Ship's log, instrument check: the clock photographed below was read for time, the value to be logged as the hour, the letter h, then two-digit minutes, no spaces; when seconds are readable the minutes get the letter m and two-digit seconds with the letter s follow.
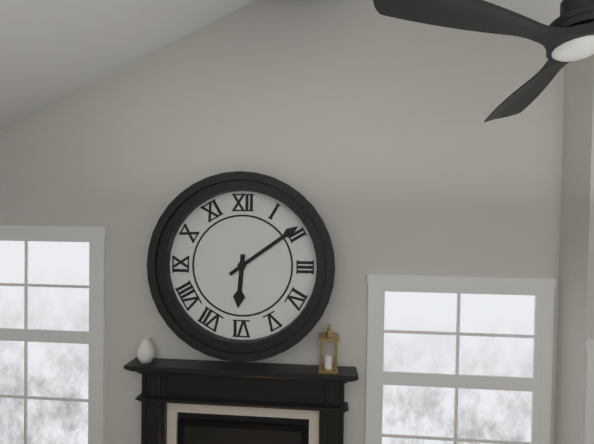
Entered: 6h09
